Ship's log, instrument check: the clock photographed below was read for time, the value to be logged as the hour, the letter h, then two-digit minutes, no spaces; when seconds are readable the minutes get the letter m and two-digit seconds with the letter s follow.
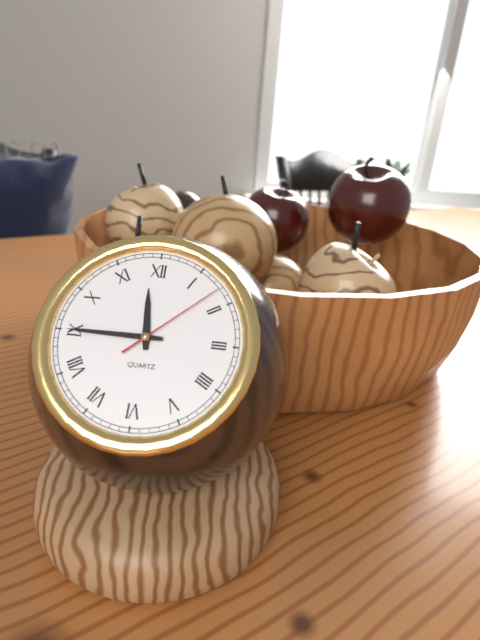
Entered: 11h45m08s
